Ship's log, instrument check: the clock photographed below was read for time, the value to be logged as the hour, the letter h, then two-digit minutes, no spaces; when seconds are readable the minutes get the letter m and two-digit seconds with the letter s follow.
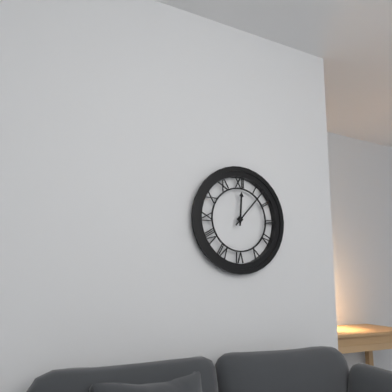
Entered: 12h07
